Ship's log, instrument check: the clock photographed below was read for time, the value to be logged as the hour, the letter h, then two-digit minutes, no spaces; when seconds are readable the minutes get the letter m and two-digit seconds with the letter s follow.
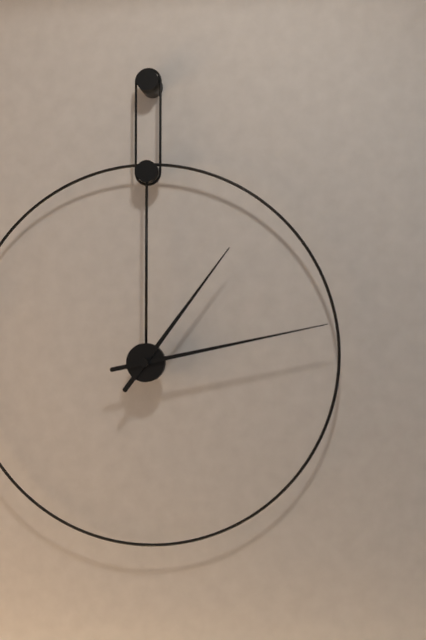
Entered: 1h13
